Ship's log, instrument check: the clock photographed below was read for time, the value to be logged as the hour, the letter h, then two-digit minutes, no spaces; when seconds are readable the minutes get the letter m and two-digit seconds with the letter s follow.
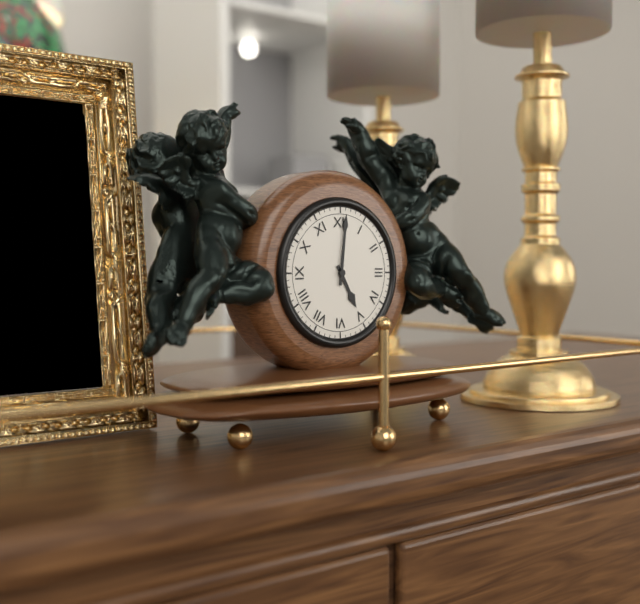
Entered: 5h01
